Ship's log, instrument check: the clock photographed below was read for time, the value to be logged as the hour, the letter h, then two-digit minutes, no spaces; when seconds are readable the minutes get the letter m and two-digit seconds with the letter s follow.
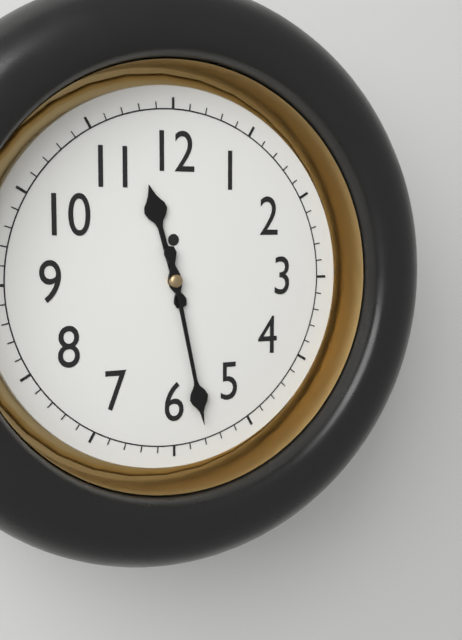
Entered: 11h28
